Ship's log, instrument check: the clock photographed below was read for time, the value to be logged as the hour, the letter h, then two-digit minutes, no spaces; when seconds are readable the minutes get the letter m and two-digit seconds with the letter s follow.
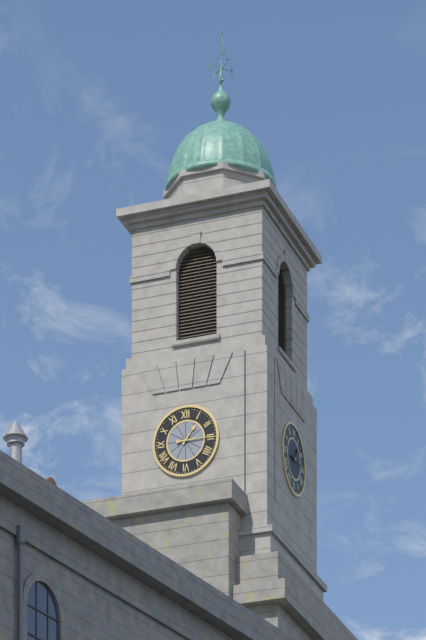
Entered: 1h15
